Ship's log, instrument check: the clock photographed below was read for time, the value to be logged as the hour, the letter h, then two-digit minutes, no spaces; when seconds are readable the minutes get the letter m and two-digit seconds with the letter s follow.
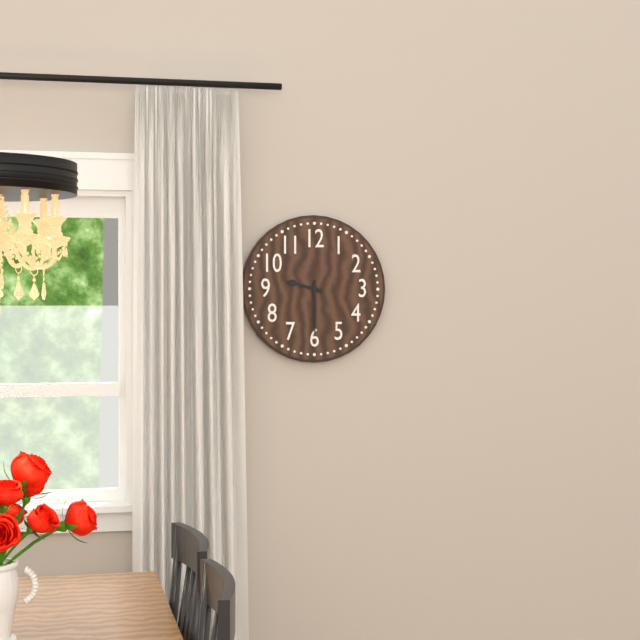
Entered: 9h30
